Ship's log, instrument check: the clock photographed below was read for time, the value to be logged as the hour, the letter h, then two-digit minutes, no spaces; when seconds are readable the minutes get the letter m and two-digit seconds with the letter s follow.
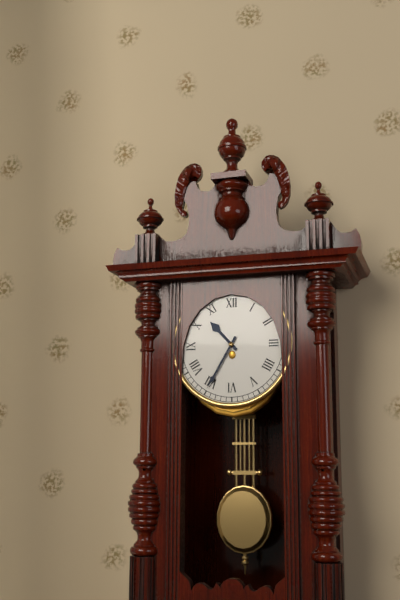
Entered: 10h35
